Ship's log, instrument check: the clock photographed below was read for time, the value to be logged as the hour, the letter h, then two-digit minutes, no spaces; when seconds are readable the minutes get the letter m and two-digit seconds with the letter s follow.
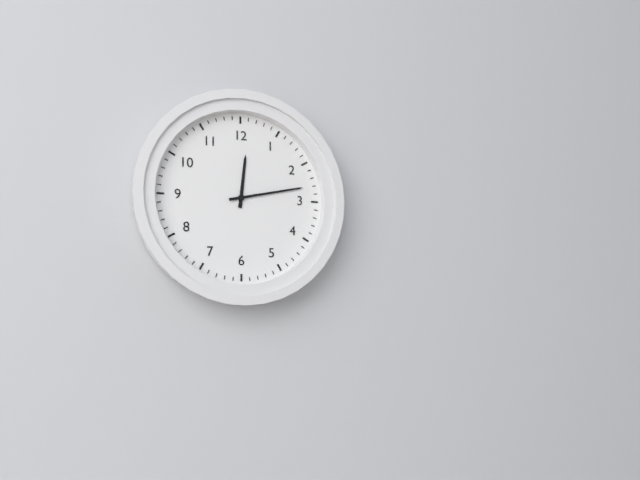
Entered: 12h13
